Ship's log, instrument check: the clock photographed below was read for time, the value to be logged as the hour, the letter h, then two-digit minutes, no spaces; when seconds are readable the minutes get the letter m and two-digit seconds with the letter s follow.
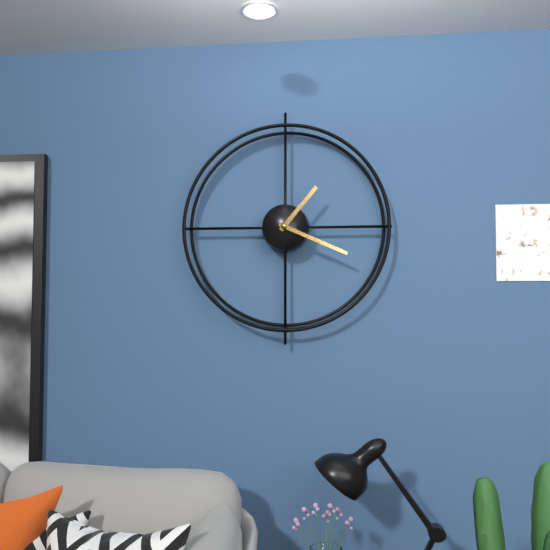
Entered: 1h19
